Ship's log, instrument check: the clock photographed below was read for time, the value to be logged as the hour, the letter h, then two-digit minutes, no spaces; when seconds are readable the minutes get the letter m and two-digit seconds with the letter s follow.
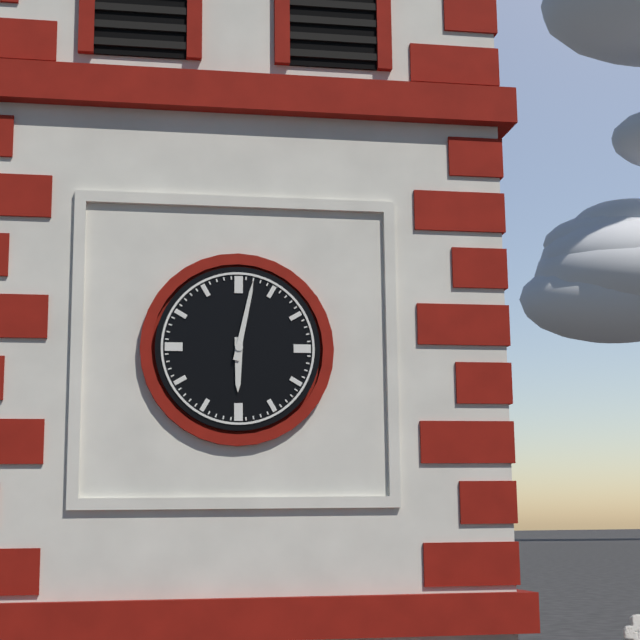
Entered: 6h02
